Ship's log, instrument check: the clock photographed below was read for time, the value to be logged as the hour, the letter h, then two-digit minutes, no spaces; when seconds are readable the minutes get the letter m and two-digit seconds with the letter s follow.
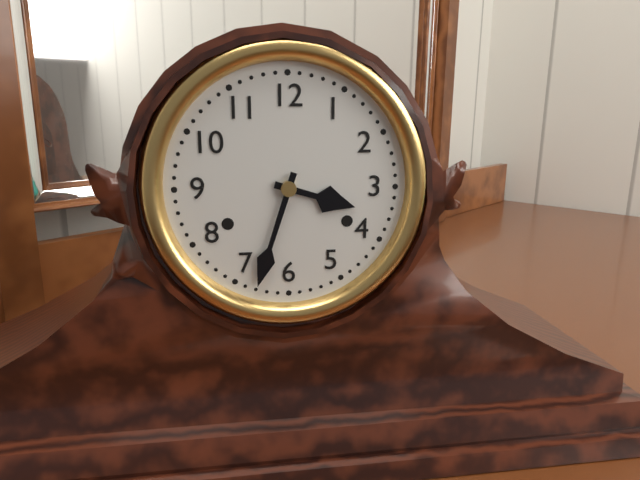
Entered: 3h33
